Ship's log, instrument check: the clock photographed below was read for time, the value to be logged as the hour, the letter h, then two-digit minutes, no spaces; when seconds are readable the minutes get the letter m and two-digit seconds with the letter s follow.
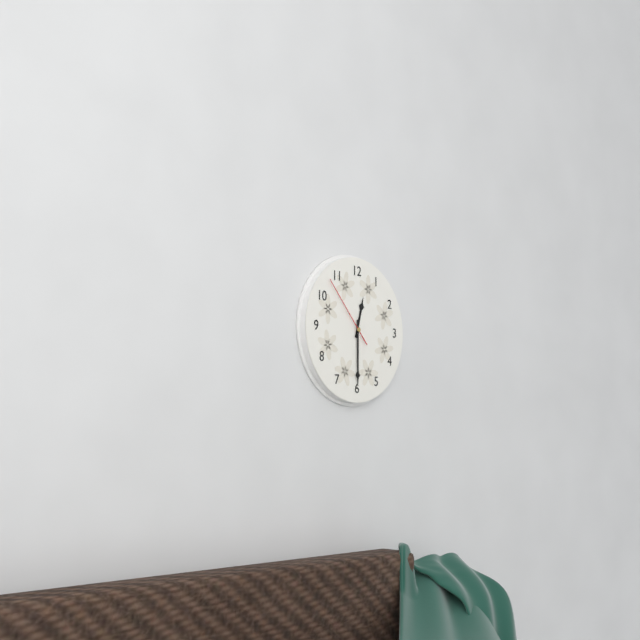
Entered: 12h30m53s
